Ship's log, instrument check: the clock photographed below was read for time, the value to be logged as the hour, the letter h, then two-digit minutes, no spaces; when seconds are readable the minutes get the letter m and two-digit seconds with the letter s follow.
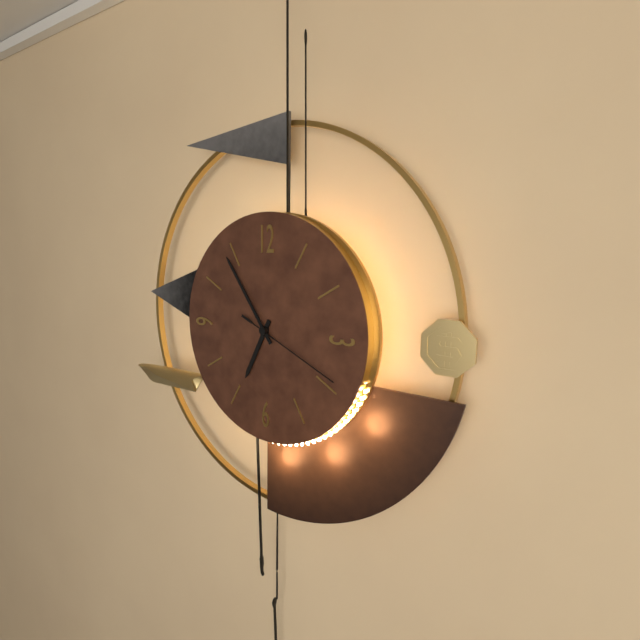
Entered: 6h54m19s
